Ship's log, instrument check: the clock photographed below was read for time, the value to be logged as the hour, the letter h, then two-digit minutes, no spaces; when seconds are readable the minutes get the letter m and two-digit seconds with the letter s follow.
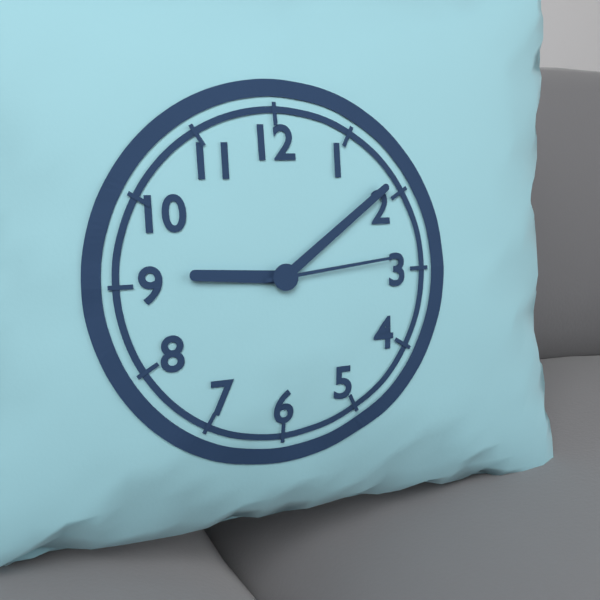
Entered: 9h09m14s
